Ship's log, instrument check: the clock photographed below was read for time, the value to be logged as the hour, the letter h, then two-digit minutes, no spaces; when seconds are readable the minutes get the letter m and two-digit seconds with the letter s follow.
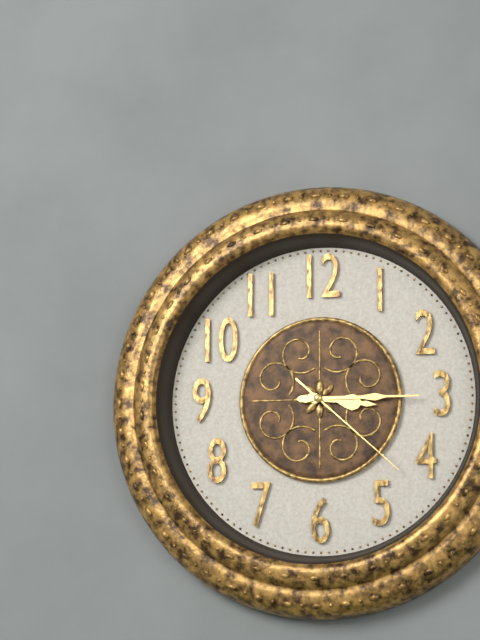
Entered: 3h15m22s
